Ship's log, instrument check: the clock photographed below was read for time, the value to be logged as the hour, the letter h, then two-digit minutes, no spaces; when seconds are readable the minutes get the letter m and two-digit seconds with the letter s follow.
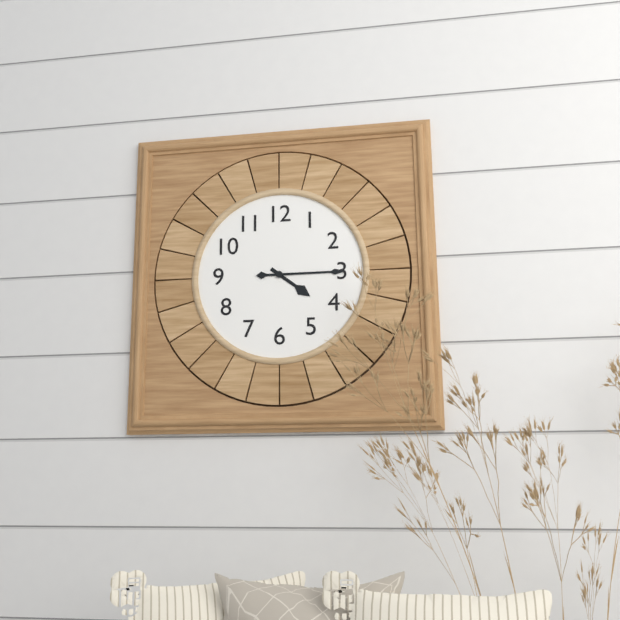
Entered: 4h15
